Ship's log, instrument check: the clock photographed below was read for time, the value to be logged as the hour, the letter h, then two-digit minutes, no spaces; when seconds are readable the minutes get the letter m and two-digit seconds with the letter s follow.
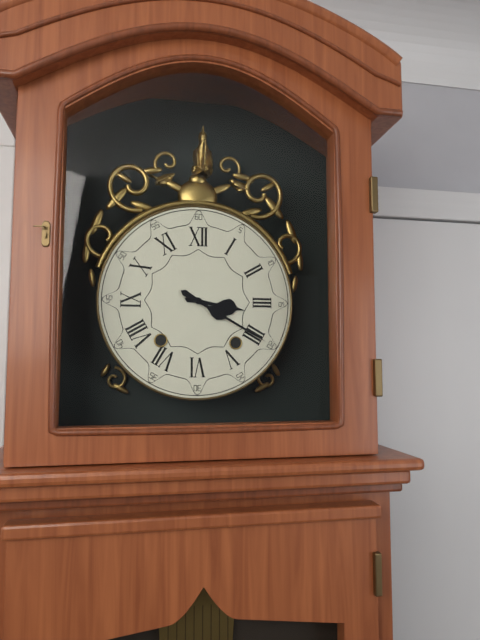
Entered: 3h20
